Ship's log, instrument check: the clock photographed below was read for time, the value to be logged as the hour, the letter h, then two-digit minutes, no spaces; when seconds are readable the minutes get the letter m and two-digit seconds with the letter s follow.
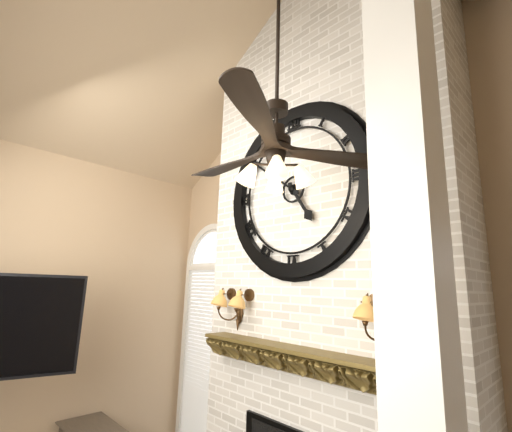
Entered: 4h51
